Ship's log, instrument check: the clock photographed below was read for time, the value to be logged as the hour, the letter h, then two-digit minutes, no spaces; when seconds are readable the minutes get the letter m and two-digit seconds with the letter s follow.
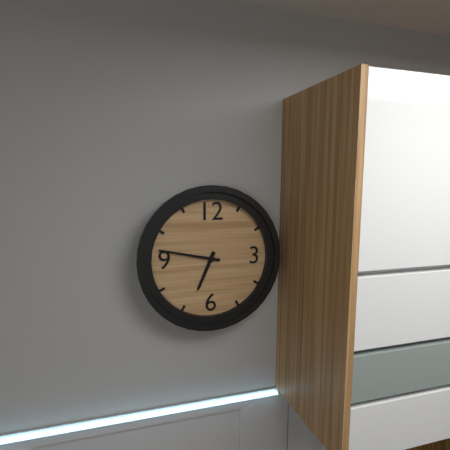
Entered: 6h47
